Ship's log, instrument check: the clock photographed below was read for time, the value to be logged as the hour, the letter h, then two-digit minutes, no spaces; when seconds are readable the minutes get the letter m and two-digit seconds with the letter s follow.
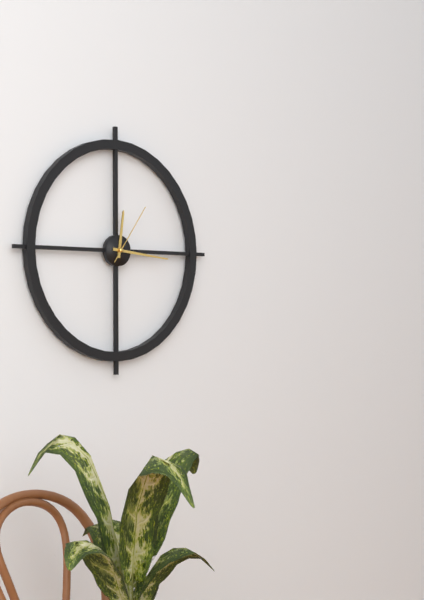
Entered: 12h16m06s
